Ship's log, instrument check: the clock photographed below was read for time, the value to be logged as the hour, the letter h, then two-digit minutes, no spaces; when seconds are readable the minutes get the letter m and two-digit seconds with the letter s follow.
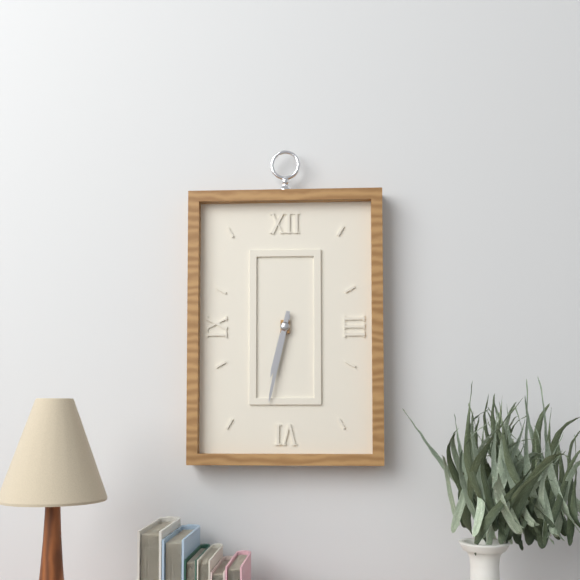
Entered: 6h32
